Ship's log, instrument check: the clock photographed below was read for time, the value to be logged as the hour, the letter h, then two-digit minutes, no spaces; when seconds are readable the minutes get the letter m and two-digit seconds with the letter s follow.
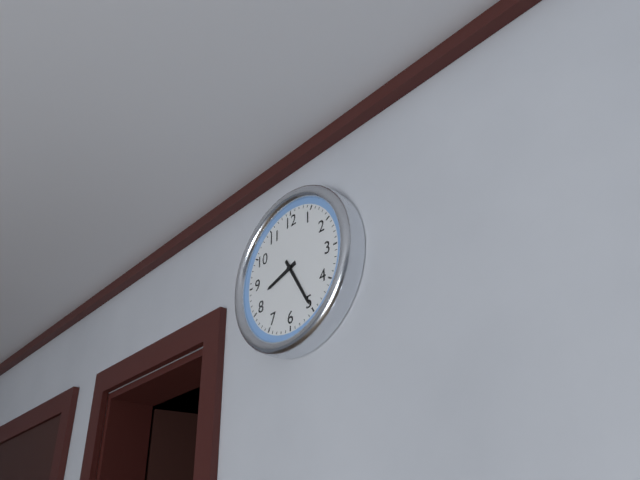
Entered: 8h25
